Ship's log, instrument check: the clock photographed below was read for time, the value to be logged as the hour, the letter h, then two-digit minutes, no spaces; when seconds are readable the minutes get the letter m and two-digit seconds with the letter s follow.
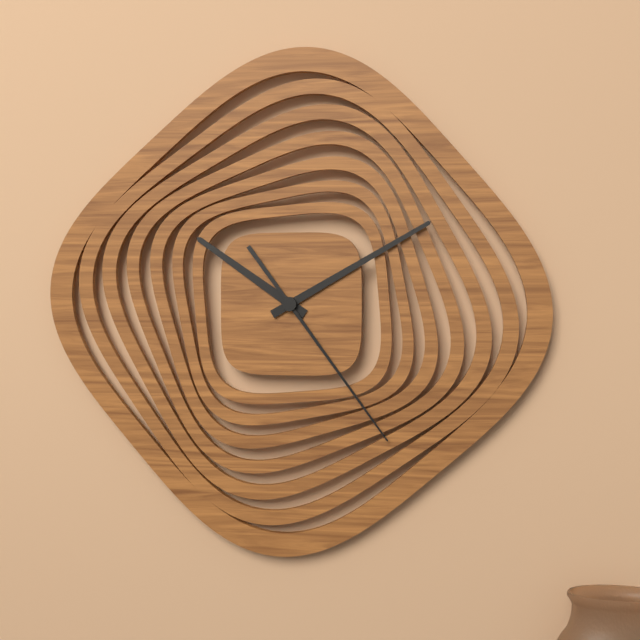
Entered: 10h10m24s
